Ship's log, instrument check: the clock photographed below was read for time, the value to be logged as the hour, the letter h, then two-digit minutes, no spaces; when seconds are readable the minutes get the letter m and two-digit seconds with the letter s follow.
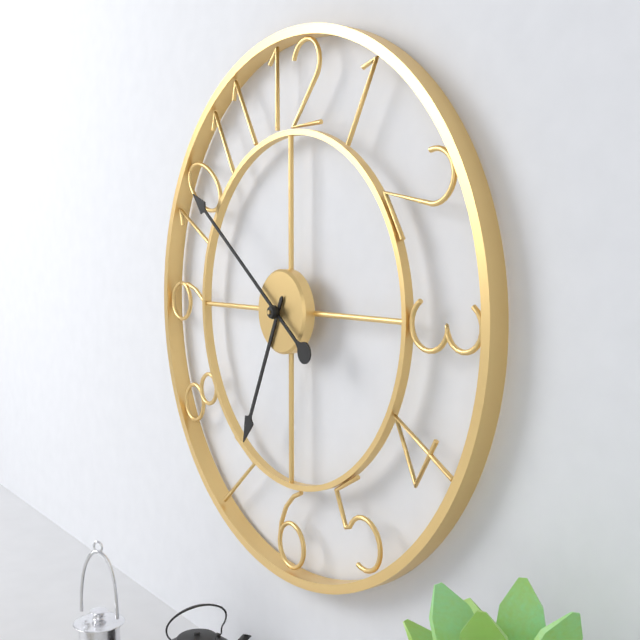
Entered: 6h51
